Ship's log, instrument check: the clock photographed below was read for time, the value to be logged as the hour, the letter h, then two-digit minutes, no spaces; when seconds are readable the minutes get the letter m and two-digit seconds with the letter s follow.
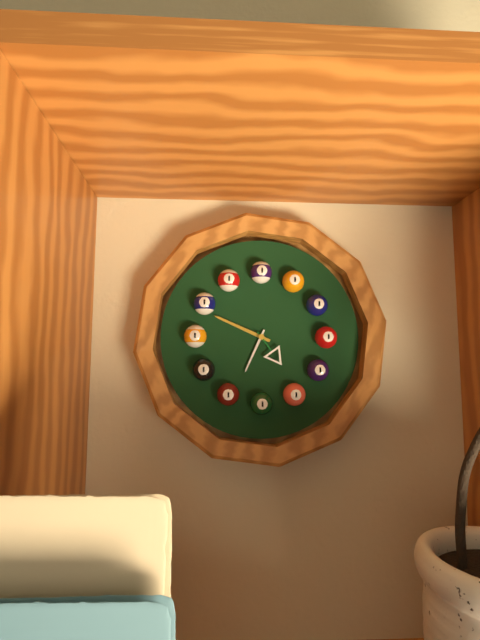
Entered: 6h49
